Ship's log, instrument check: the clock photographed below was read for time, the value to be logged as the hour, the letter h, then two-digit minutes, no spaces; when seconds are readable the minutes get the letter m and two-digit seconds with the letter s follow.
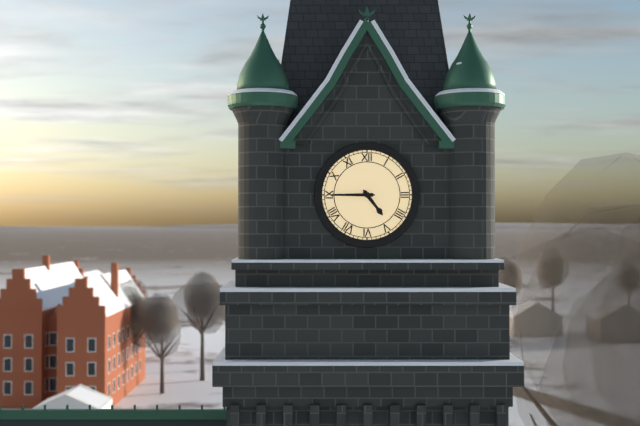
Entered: 4h45
